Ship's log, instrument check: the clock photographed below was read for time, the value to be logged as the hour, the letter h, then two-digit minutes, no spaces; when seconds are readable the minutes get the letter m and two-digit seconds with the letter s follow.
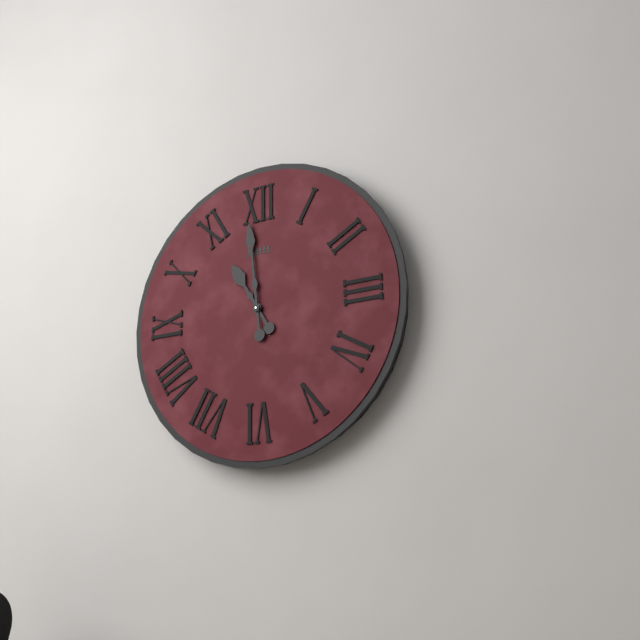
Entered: 10h59
